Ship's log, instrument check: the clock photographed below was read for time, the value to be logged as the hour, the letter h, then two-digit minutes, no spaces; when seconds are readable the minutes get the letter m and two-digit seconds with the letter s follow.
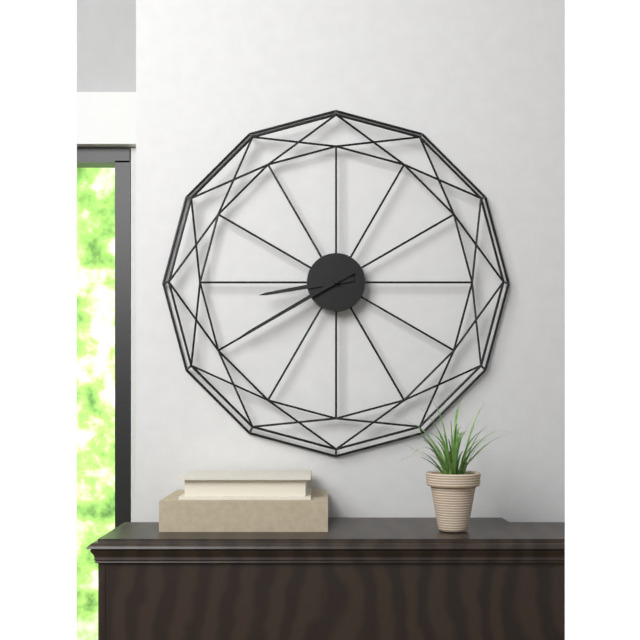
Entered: 8h40
